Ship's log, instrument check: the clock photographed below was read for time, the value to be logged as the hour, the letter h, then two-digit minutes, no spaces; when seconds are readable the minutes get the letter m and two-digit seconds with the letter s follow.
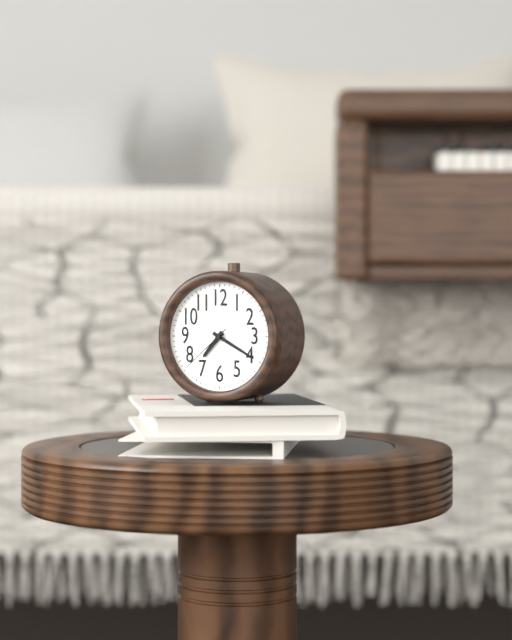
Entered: 7h20m38s
